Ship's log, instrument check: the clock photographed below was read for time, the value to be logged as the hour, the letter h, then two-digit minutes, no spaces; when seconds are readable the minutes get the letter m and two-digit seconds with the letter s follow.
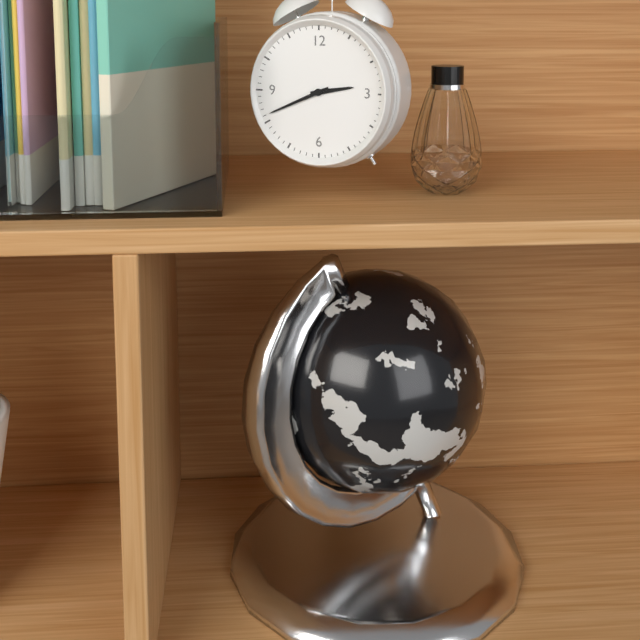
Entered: 2h41
